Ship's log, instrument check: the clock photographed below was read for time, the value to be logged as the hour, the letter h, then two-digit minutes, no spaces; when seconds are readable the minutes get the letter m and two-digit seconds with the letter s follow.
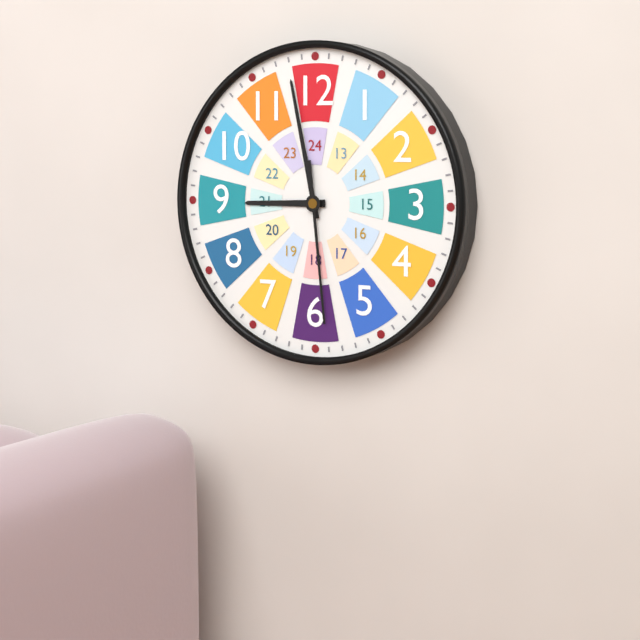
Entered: 8h58m29s
